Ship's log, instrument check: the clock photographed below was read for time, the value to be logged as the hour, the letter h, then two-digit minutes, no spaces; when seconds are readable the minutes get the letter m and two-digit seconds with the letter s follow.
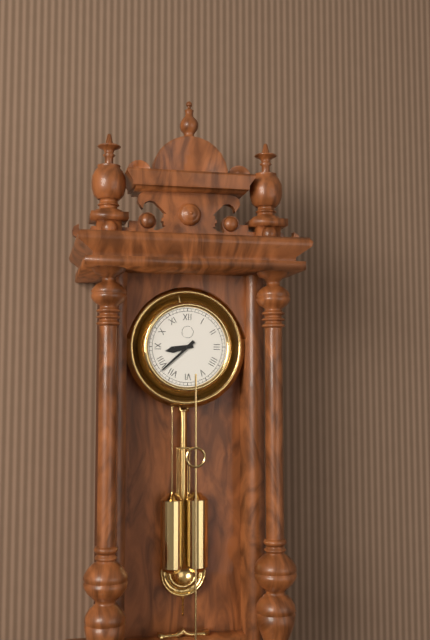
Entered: 8h38
